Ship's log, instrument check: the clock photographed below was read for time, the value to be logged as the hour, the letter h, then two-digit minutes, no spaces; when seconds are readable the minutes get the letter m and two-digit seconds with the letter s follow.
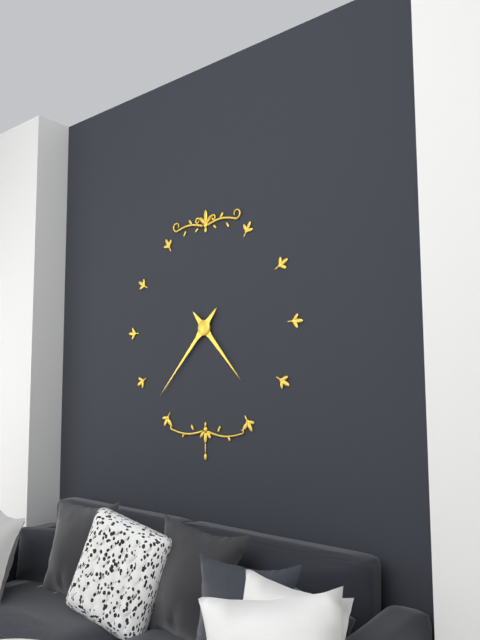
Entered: 4h37
